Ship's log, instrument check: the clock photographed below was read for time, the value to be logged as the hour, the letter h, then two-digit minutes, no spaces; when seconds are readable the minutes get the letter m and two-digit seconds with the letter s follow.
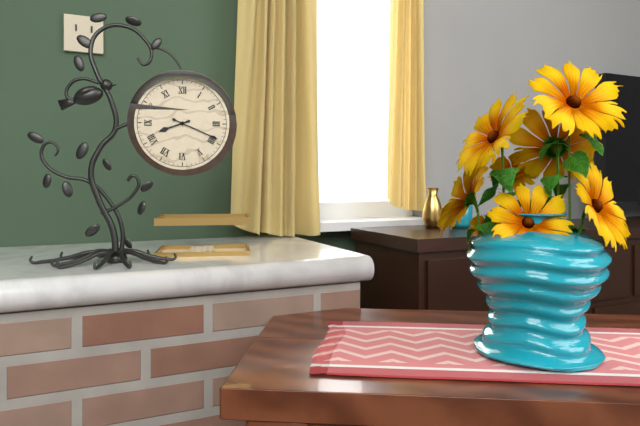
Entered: 8h19
